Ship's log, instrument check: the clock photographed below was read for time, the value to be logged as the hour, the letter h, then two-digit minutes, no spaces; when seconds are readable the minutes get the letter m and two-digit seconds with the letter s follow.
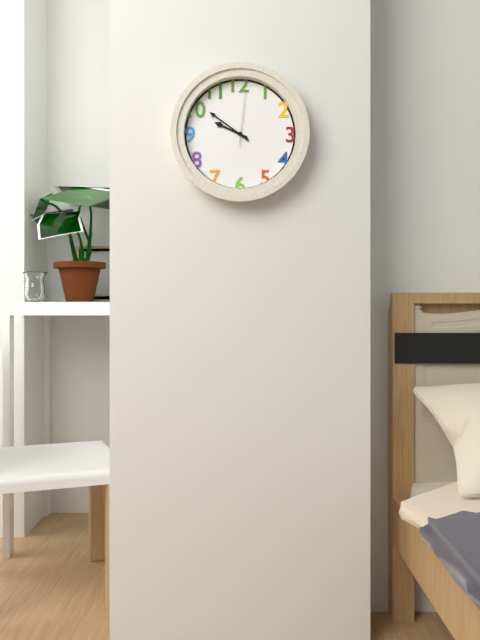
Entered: 9h51m01s
